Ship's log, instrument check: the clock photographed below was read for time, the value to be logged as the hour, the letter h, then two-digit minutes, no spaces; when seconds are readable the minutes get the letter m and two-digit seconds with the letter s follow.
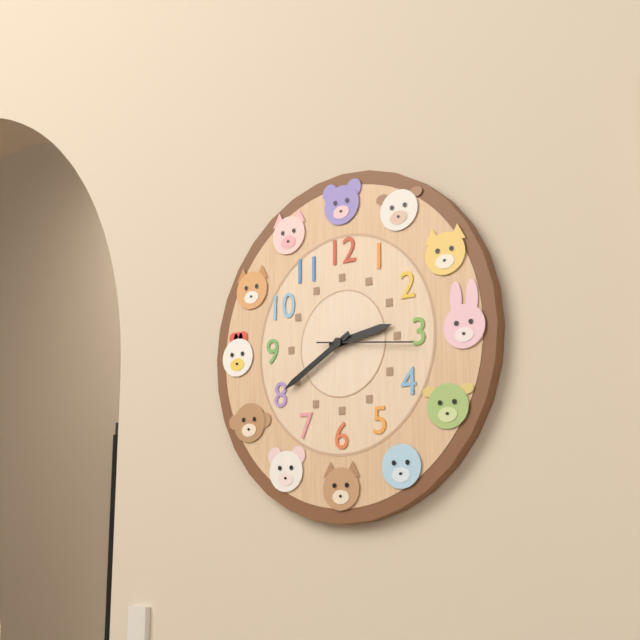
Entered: 2h40m16s
